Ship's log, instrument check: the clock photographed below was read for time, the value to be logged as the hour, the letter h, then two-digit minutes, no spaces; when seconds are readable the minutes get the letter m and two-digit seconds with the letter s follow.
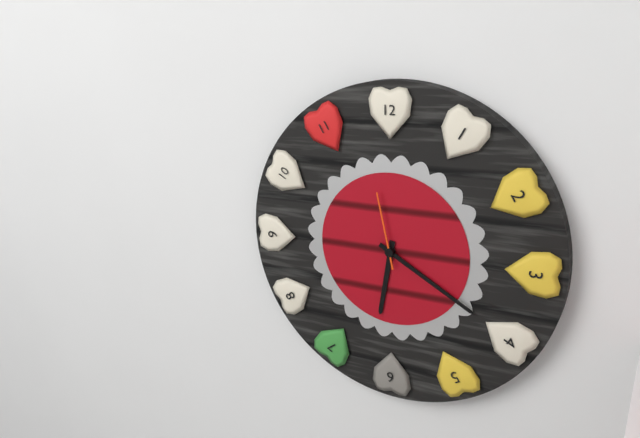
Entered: 6h20m58s
